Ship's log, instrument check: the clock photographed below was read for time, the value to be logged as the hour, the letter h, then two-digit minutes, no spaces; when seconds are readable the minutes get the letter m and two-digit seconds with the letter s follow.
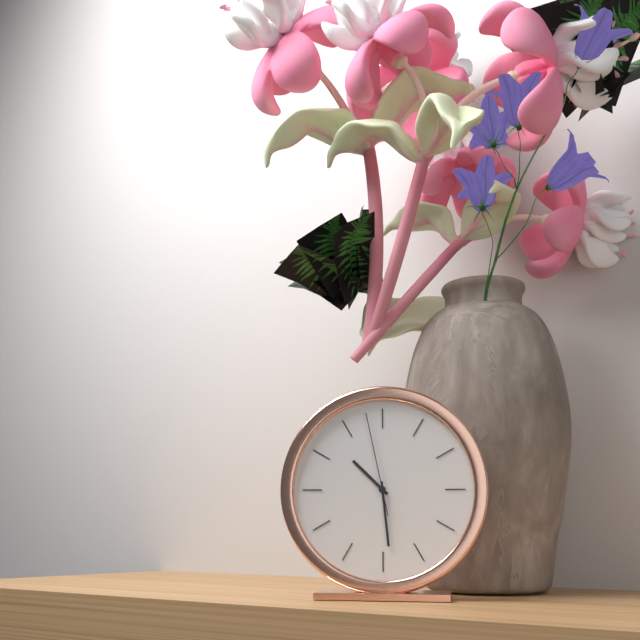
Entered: 10h29m58s
